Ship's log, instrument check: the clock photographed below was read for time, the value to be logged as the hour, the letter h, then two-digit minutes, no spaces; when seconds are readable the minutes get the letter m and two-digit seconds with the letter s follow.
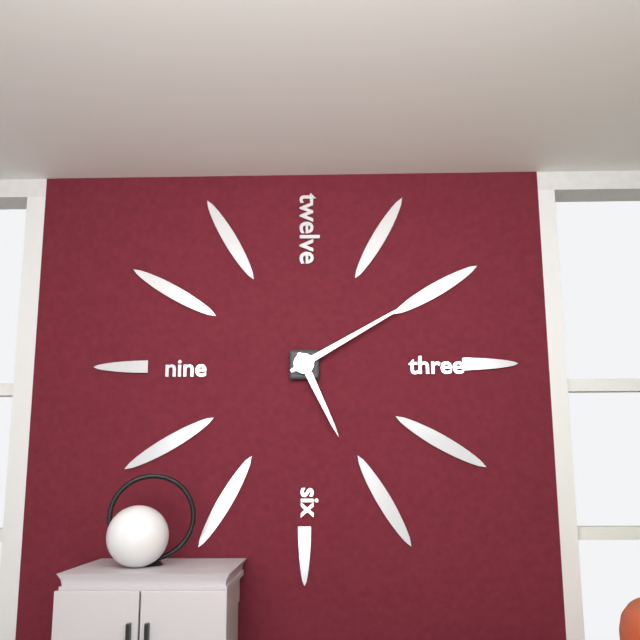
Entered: 5h10
